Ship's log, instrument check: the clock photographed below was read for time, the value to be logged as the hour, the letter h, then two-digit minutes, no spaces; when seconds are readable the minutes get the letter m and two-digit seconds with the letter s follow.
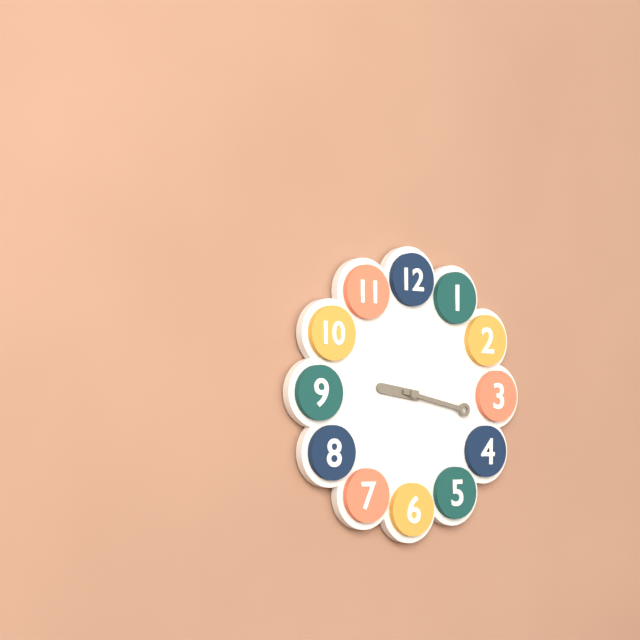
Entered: 9h17
